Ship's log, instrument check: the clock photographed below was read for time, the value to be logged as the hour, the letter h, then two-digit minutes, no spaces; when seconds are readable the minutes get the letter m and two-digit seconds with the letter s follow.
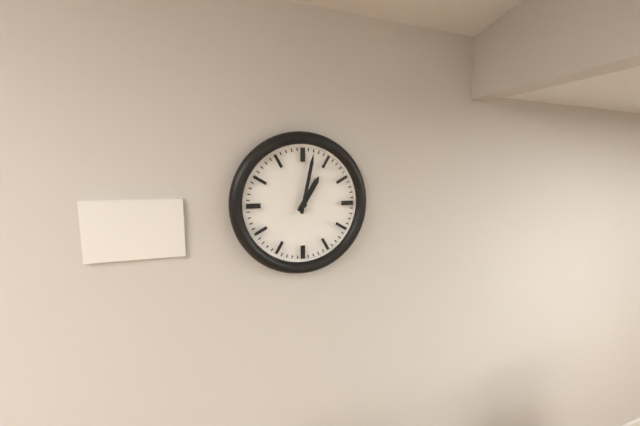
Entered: 1h02
